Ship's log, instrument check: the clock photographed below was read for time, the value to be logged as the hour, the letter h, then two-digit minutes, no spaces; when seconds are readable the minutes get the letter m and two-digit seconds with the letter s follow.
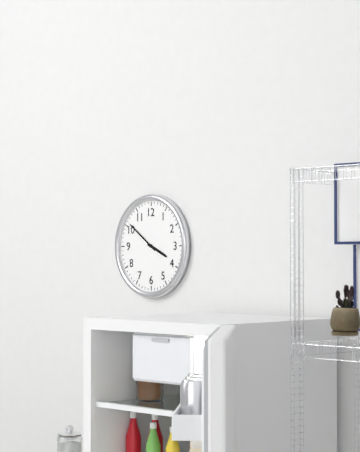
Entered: 3h51
